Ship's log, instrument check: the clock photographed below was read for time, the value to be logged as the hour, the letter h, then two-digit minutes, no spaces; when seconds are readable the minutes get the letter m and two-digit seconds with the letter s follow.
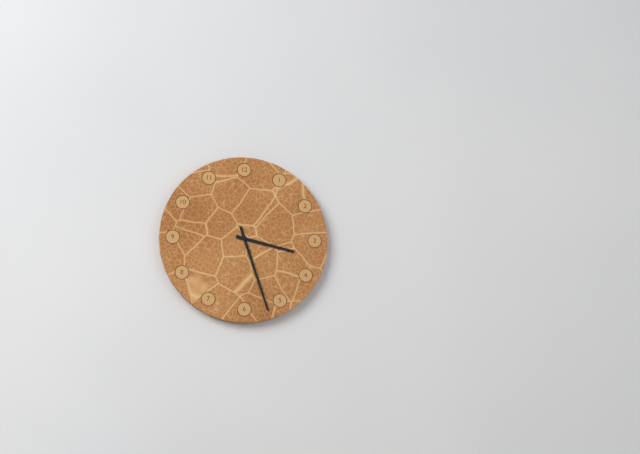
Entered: 3h27
